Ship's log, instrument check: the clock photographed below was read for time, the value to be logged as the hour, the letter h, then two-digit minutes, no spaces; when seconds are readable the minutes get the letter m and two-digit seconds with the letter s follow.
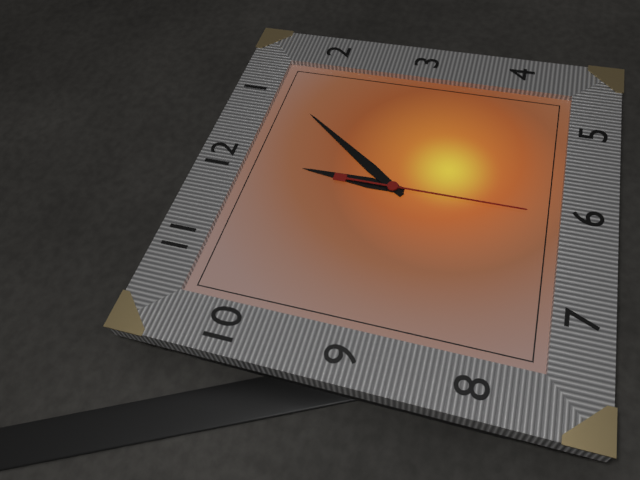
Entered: 12h06m30s
